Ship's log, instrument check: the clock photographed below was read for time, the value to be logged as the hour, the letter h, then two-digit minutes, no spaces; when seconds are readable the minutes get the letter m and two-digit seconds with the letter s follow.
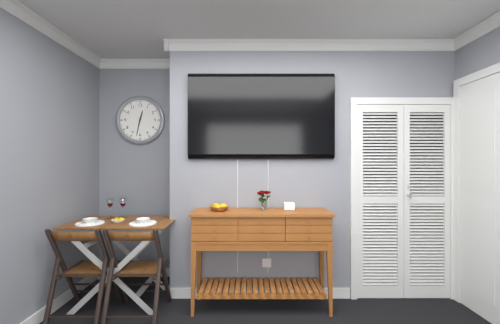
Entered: 12h32
